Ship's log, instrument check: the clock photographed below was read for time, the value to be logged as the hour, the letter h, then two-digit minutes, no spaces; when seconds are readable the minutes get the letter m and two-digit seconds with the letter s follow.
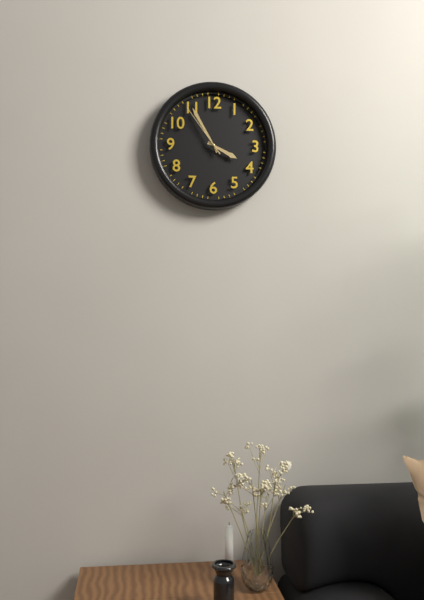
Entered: 3h55m54s
